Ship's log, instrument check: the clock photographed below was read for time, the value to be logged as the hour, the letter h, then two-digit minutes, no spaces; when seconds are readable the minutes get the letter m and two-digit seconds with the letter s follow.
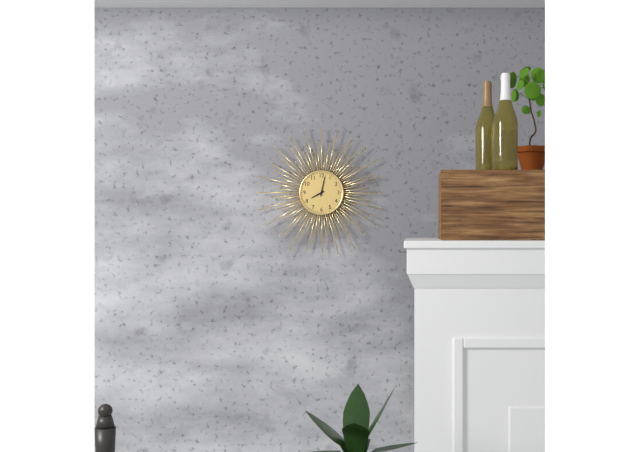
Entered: 8h02
